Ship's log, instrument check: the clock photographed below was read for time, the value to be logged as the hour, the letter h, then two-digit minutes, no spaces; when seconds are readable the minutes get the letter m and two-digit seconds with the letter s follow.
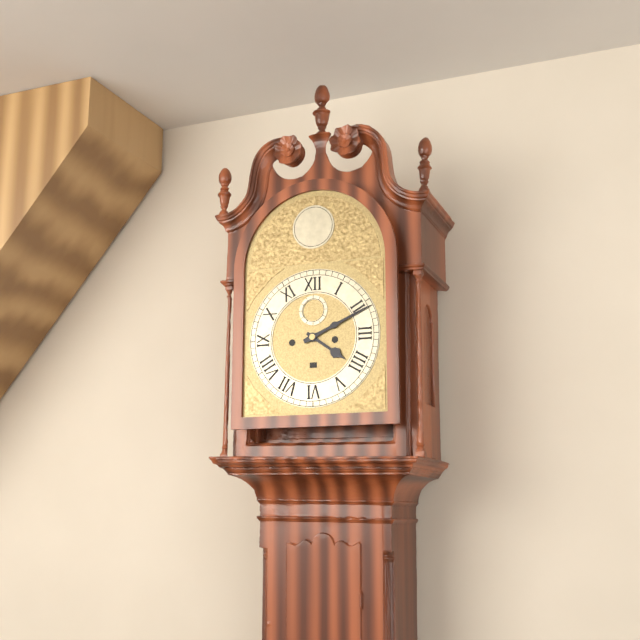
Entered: 4h11
